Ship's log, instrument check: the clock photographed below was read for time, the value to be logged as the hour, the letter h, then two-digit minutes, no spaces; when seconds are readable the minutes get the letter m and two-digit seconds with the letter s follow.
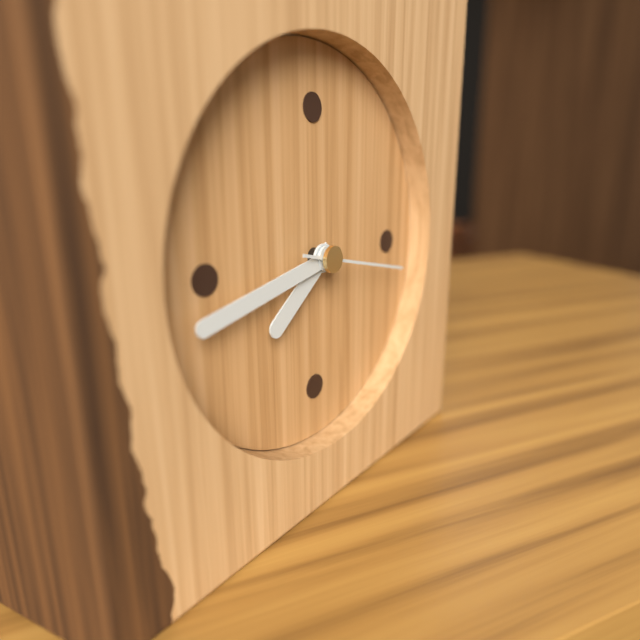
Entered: 7h43m17s
